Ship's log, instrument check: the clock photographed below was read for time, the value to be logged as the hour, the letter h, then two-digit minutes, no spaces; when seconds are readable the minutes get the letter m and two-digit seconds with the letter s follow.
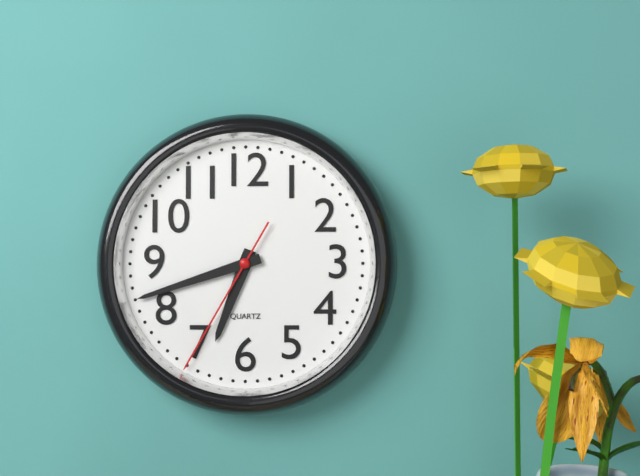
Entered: 6h42m35s
